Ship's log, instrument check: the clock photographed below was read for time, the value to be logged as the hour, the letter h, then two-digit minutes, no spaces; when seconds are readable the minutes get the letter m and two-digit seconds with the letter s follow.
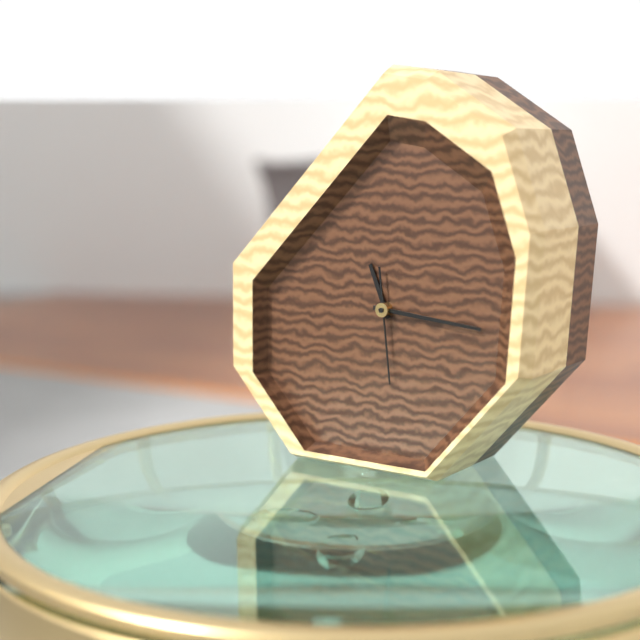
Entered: 11h16m29s
